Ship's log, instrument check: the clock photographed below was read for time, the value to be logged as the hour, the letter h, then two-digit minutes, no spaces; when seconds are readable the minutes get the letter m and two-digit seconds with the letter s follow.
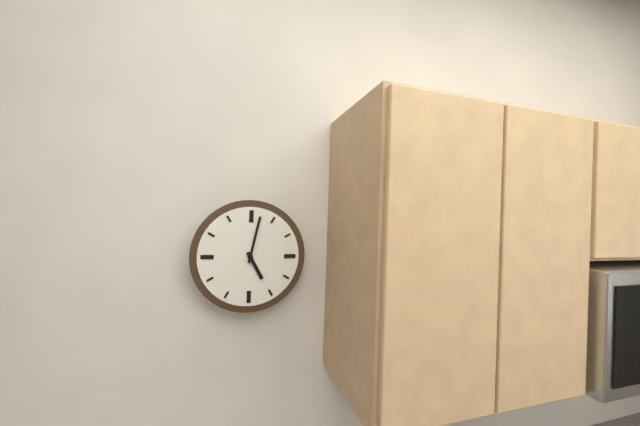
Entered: 5h02
